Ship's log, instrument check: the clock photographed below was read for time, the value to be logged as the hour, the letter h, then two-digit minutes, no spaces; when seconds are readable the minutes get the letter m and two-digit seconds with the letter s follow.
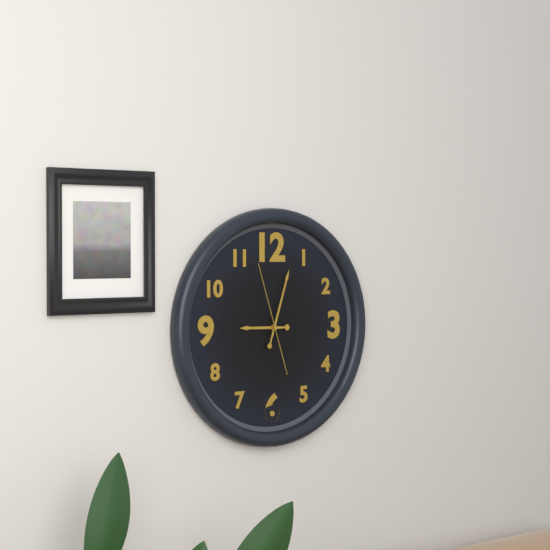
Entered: 9h03m57s
